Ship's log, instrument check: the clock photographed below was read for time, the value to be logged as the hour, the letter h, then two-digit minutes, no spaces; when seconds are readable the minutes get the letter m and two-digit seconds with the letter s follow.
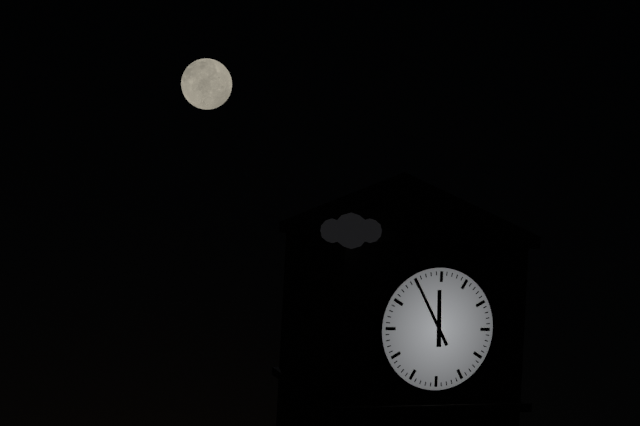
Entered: 11h55
